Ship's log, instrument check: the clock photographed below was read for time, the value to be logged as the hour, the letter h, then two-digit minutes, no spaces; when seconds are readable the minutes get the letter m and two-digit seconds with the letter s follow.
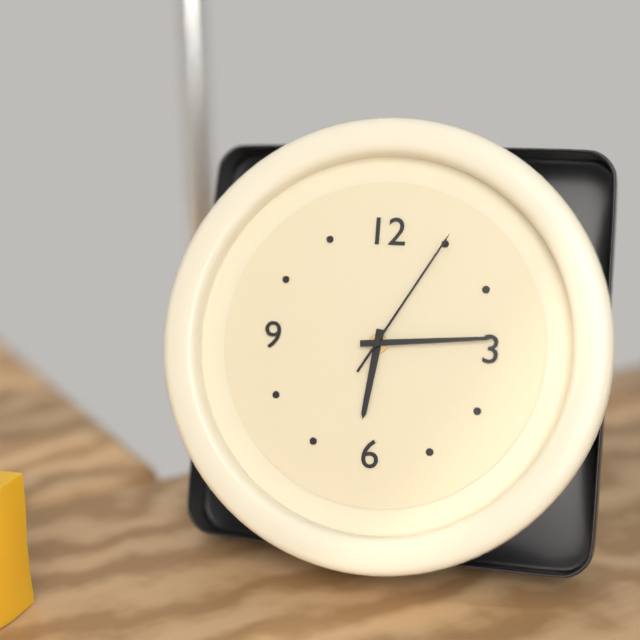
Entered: 6h14m05s
